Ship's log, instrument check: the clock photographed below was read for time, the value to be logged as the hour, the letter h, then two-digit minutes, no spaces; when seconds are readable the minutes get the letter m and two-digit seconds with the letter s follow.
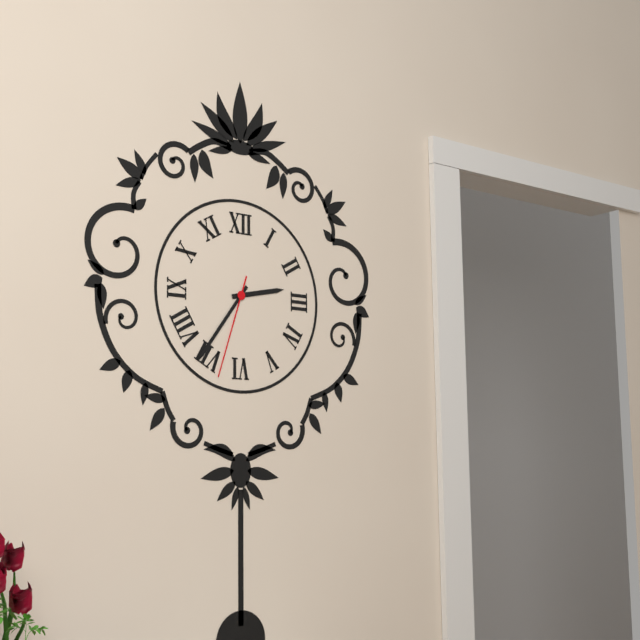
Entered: 2h36m33s
